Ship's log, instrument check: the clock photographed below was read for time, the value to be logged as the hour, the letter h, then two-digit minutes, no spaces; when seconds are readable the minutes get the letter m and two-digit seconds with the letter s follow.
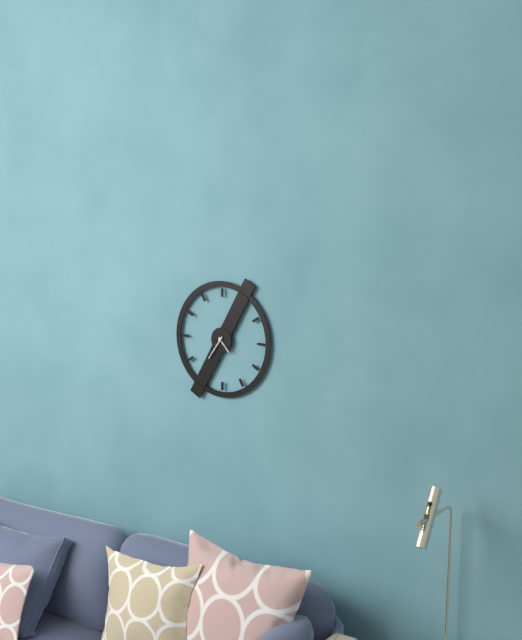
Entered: 4h36
